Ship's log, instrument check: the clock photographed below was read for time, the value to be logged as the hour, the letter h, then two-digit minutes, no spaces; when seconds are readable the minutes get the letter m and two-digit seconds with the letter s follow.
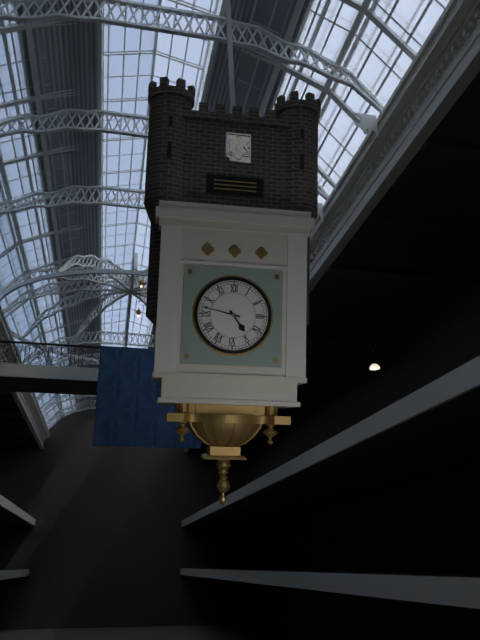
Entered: 4h47
